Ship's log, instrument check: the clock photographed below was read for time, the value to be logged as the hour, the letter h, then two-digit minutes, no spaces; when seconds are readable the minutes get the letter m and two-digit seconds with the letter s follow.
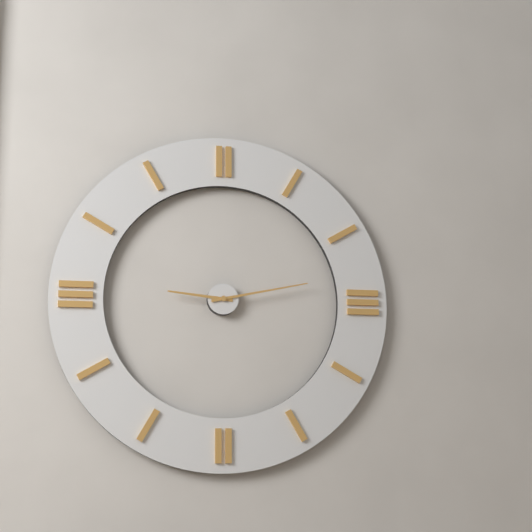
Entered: 9h13
